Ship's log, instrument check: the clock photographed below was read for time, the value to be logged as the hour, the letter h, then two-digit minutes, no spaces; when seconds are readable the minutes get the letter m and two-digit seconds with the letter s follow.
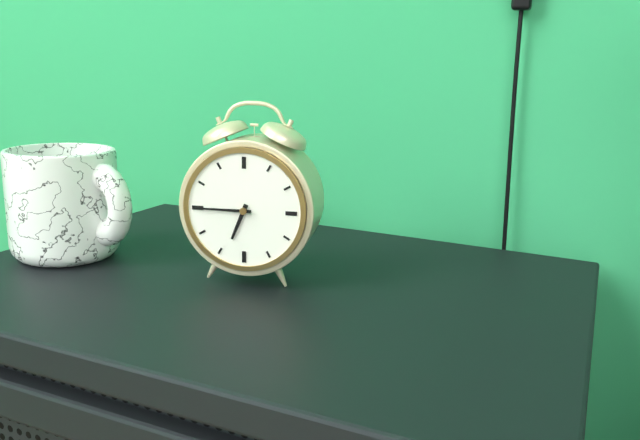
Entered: 6h45
